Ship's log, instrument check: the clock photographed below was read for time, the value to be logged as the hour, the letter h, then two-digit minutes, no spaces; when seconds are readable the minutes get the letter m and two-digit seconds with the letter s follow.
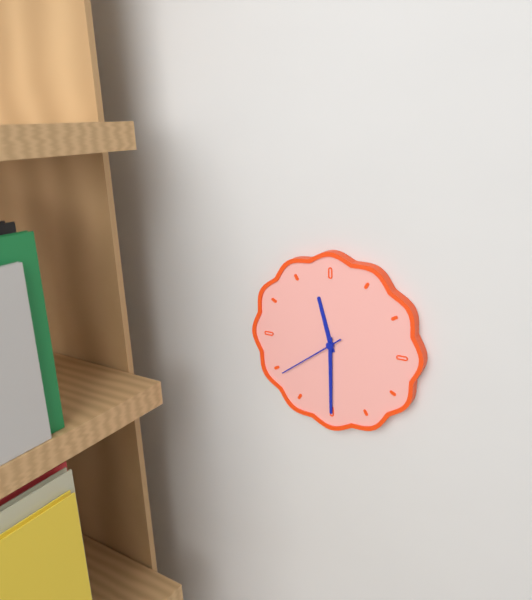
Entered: 11h30m39s
